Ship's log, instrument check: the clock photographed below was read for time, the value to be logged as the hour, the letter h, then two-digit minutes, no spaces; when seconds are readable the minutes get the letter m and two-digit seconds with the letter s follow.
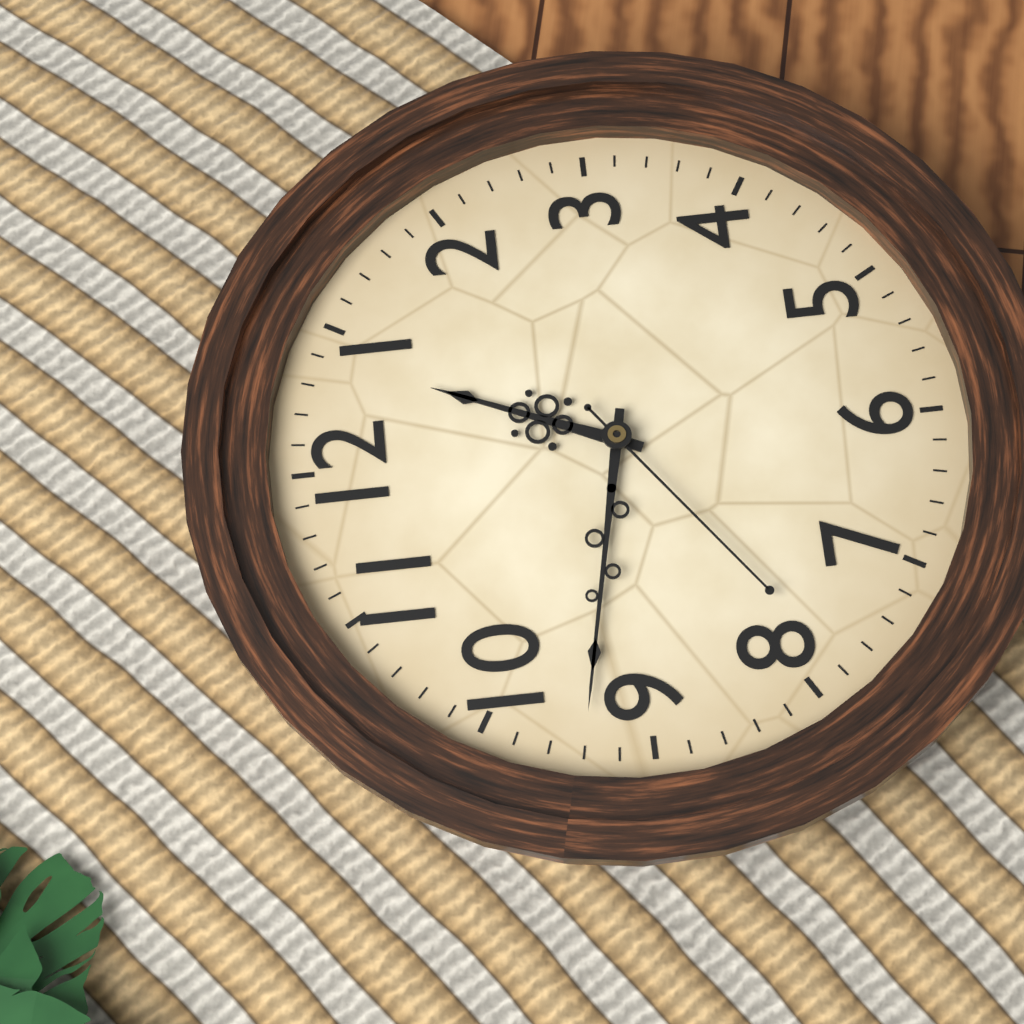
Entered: 12h47m39s
